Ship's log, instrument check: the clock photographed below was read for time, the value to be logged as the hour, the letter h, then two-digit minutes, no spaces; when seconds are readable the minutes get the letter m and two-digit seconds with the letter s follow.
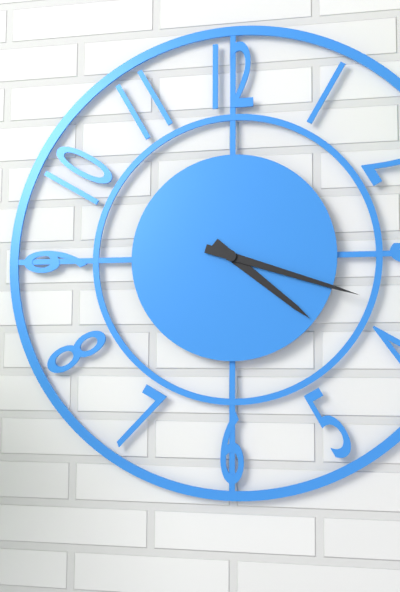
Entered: 4h18
